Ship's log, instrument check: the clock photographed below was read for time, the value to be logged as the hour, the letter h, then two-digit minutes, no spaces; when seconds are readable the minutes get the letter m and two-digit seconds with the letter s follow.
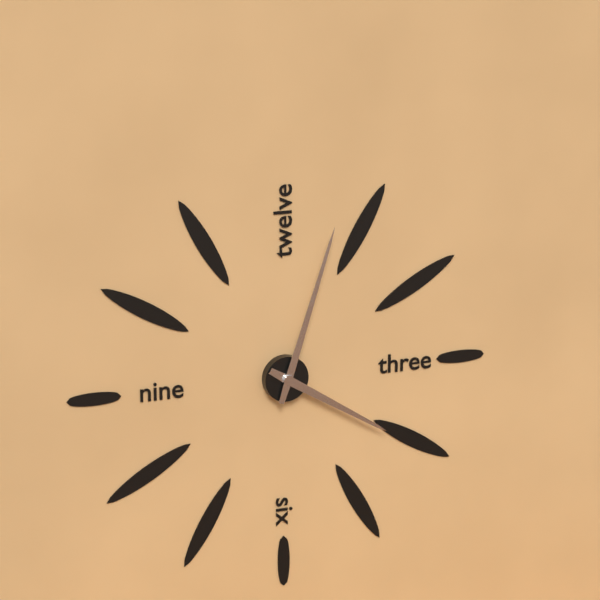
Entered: 4h03
